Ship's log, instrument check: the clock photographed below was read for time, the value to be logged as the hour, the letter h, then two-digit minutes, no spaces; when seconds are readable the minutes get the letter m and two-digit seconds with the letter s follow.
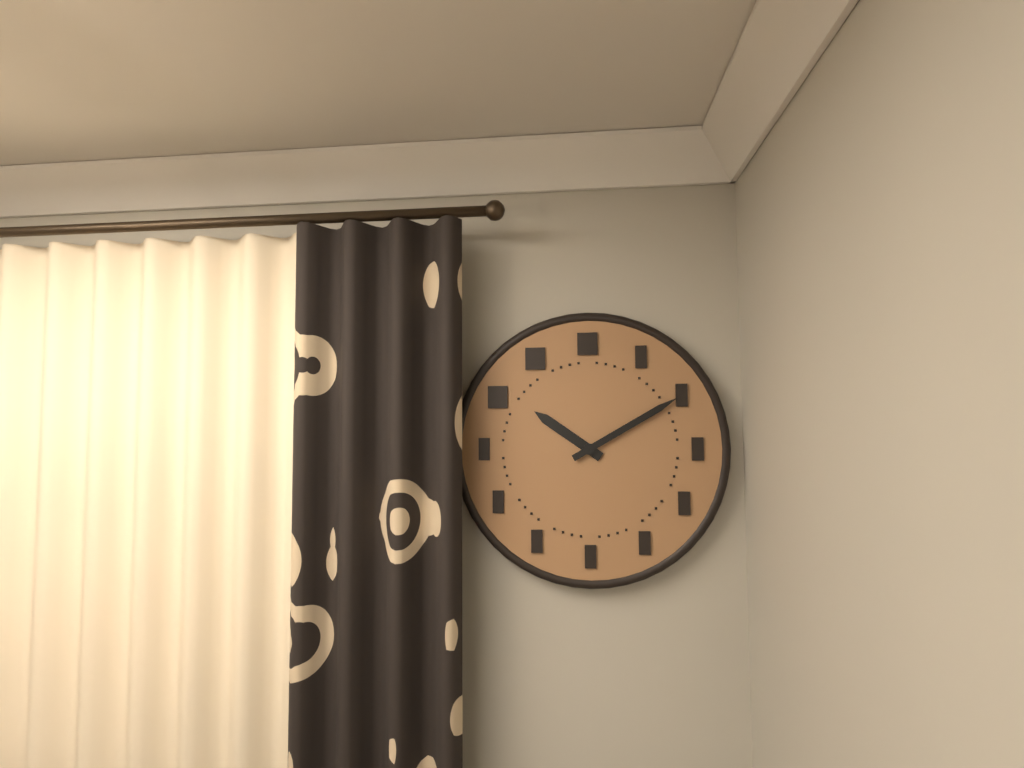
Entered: 10h10
